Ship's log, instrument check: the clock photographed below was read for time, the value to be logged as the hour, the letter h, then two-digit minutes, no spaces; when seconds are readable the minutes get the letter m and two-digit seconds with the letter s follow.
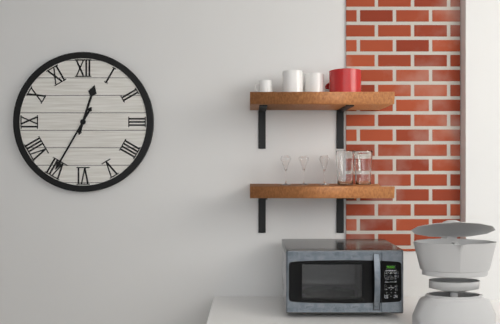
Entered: 12h35
